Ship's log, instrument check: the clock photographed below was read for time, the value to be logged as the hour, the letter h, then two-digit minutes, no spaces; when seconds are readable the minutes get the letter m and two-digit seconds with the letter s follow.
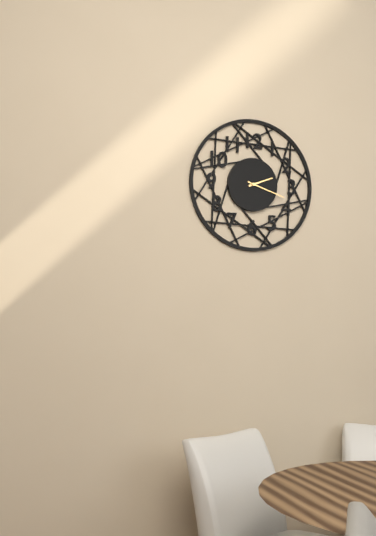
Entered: 2h18
